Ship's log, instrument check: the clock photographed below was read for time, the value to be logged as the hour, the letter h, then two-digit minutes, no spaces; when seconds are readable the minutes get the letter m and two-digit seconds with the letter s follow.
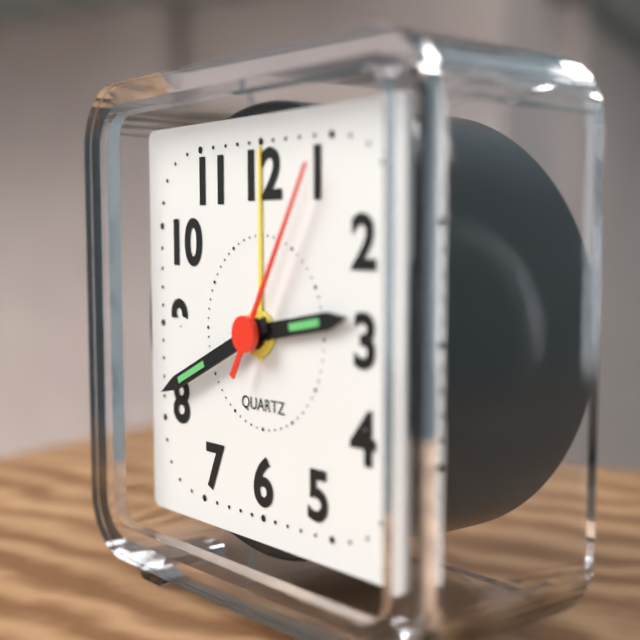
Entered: 2h41m05s
